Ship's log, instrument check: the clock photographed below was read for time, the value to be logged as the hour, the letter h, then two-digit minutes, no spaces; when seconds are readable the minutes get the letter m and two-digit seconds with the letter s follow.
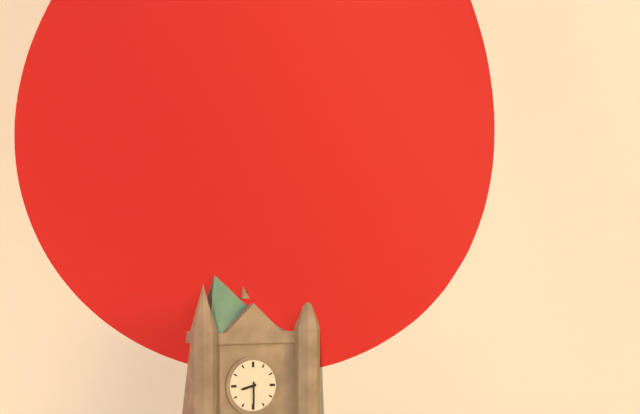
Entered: 8h30
